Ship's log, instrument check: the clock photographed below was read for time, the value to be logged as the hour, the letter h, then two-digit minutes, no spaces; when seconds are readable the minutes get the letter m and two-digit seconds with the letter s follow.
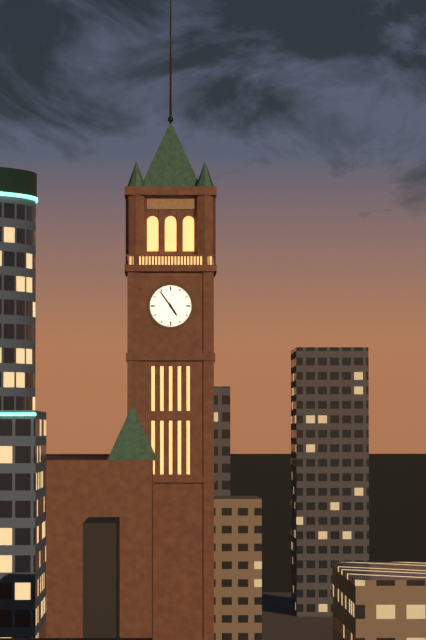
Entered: 4h54
